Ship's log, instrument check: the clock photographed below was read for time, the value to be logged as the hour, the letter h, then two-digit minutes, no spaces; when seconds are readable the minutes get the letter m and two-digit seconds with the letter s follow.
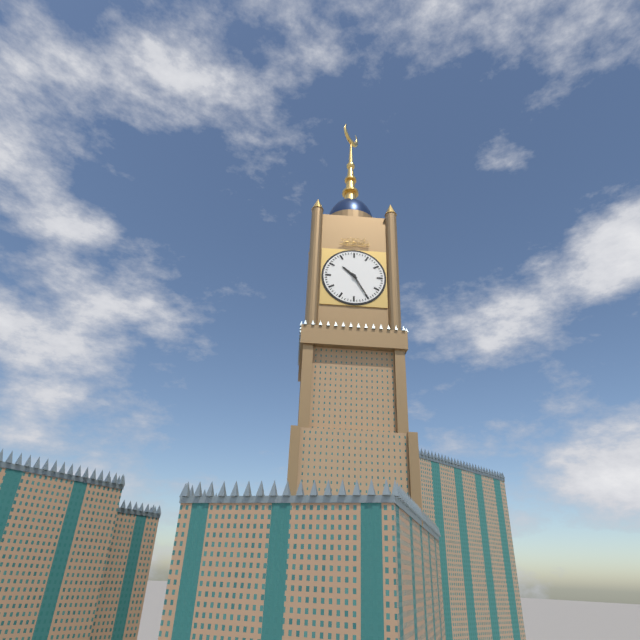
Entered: 10h25
